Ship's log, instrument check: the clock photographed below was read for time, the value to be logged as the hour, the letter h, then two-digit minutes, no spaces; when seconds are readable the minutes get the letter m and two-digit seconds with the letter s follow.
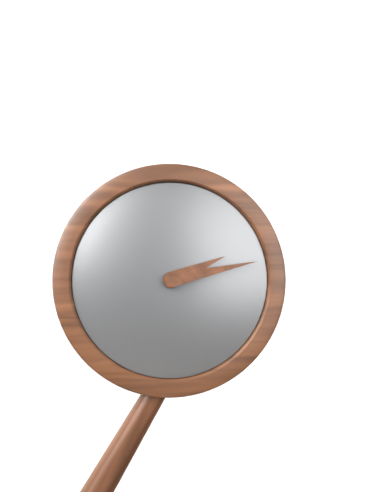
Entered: 2h13
